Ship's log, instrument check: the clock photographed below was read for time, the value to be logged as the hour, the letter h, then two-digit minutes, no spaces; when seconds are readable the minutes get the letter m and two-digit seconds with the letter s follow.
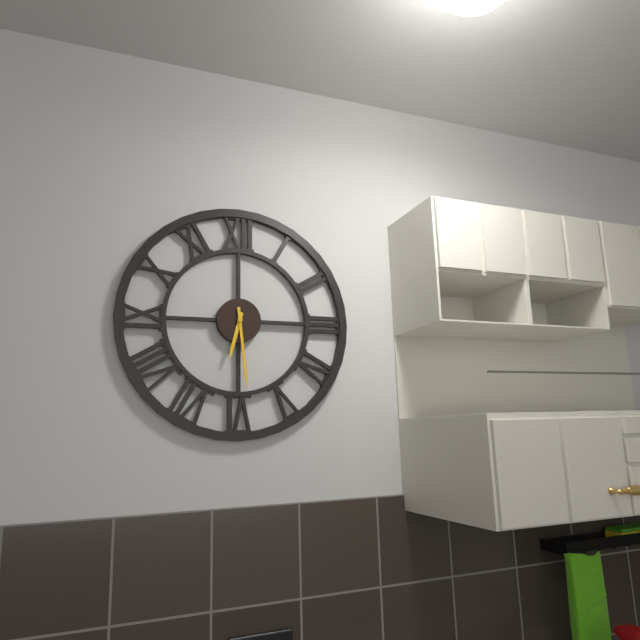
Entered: 6h29
